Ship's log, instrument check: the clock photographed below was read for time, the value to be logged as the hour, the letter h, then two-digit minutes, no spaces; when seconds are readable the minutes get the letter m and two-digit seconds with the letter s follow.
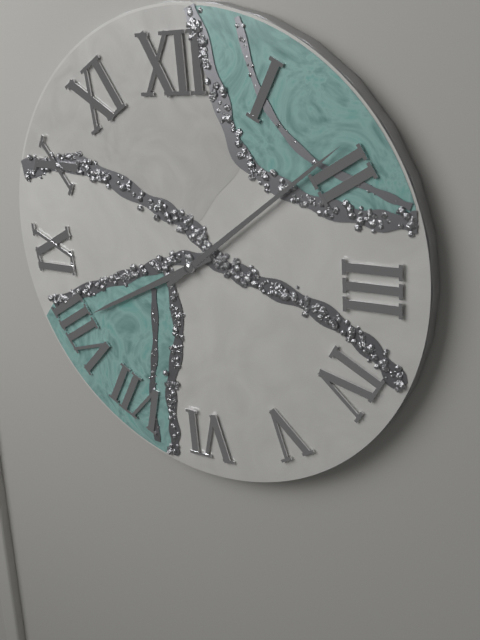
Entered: 8h09
